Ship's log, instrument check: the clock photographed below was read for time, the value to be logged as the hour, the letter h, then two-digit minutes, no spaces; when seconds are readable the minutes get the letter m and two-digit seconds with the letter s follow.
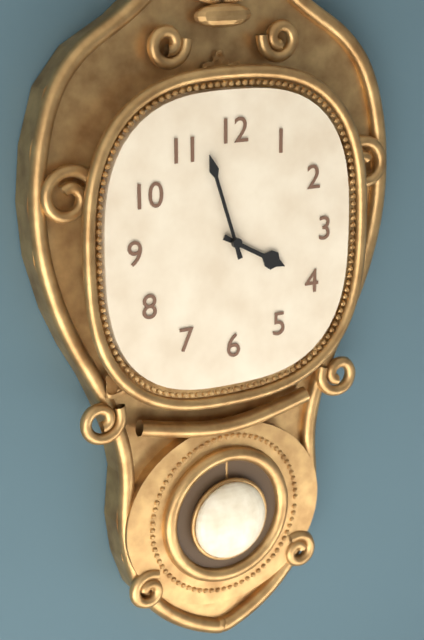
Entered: 3h57
